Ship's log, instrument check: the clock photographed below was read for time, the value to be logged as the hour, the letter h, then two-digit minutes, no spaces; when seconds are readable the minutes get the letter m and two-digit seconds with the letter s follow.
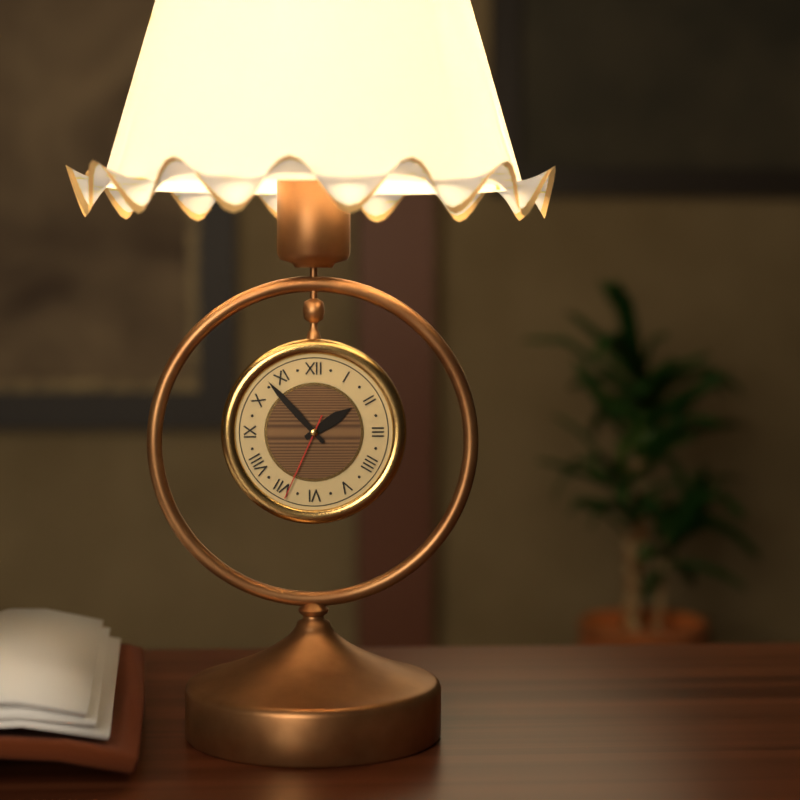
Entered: 1h53m34s
